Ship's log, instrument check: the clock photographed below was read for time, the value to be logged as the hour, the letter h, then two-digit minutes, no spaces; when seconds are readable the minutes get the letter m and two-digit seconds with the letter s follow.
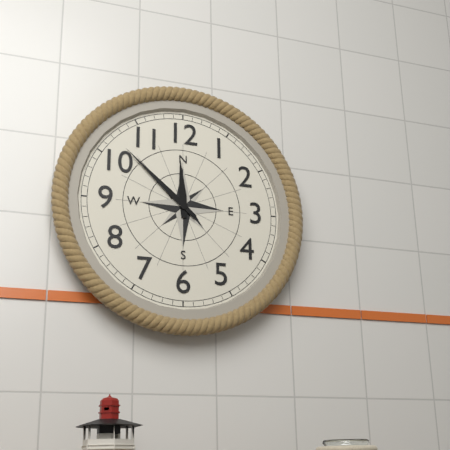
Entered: 11h52
